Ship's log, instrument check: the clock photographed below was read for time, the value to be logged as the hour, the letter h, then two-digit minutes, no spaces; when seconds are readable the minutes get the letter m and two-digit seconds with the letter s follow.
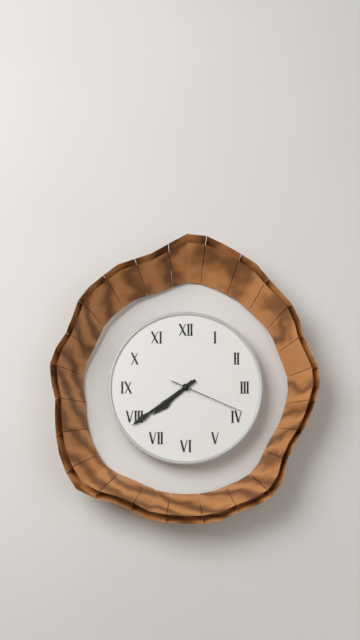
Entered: 7h39m19s
